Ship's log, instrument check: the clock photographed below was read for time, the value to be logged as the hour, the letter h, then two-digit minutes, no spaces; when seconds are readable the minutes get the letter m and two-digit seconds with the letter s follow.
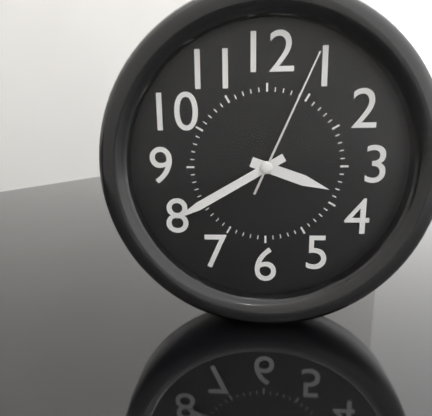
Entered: 3h40m04s
